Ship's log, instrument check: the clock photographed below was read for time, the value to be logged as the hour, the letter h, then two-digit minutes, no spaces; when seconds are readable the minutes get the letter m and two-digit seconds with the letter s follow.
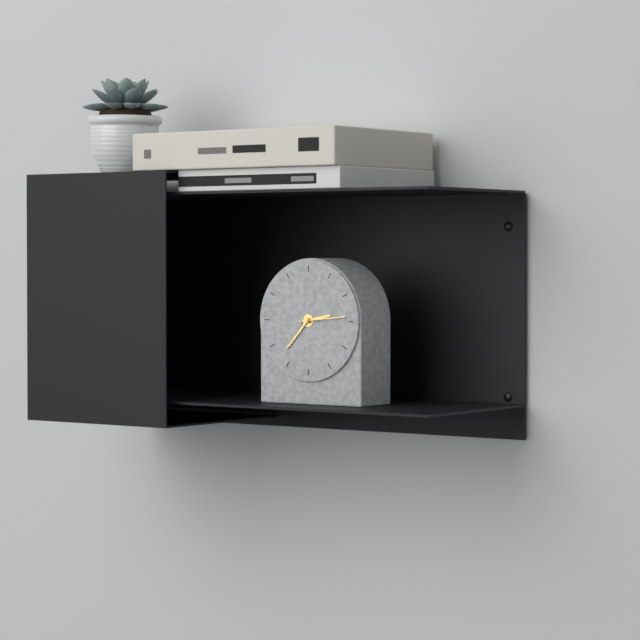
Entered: 2h37
